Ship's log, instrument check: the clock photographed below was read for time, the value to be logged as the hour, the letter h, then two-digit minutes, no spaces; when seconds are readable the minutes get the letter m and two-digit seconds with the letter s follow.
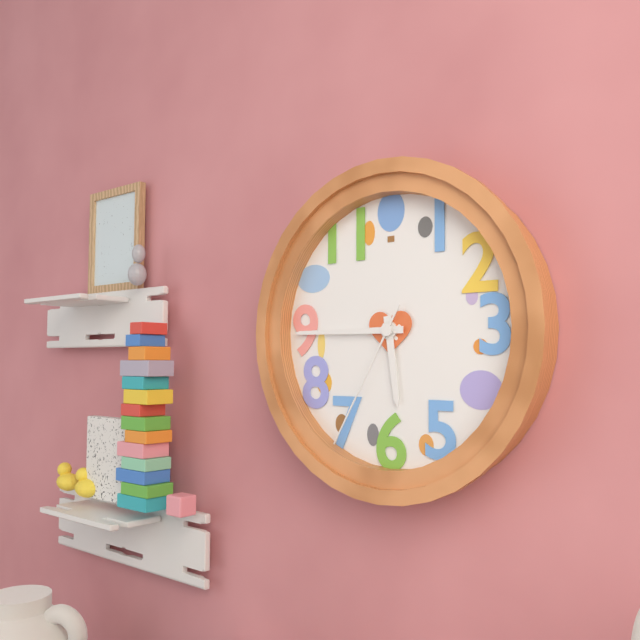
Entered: 5h45m35s
